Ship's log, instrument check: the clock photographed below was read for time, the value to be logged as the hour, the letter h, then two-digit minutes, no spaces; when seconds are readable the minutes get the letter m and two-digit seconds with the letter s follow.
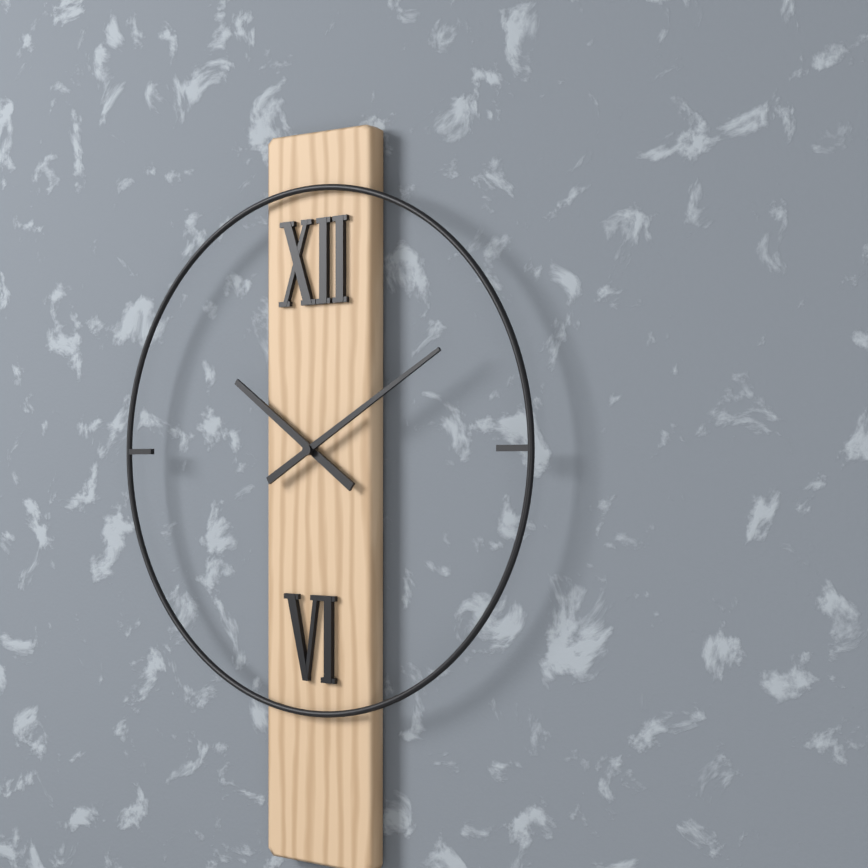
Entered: 10h10
